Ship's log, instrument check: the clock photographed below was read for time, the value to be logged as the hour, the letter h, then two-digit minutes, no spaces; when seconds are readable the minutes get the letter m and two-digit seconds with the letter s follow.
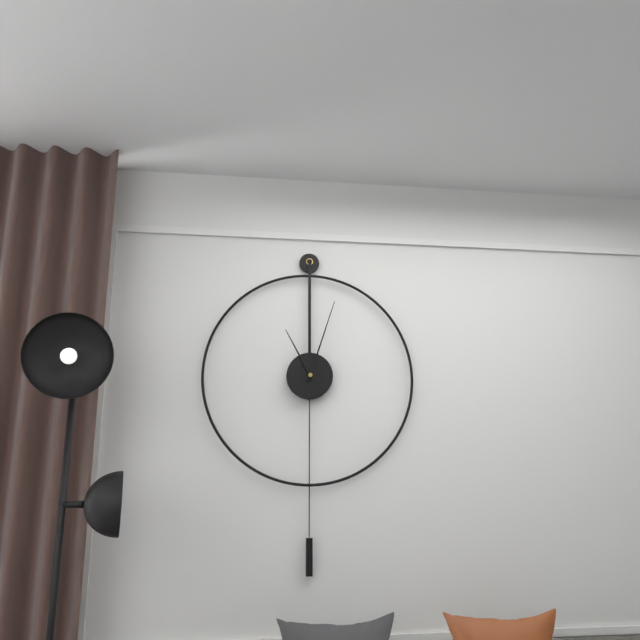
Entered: 11h03
